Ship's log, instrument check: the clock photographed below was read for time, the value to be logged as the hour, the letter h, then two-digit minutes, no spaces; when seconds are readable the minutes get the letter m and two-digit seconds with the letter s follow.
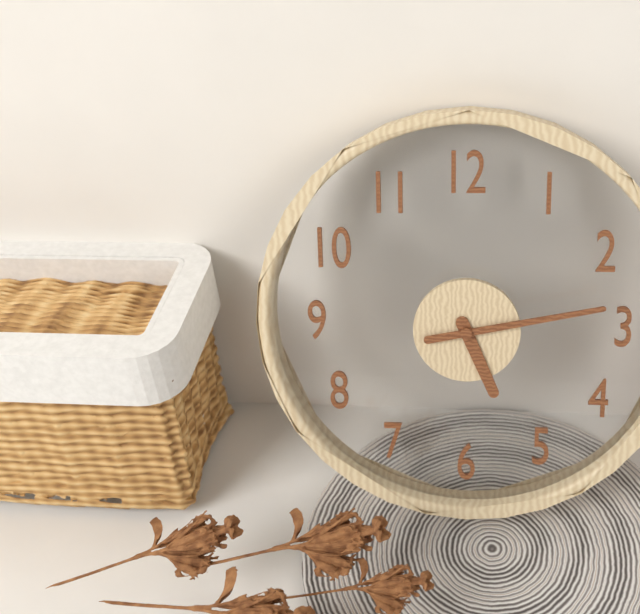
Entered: 5h13
